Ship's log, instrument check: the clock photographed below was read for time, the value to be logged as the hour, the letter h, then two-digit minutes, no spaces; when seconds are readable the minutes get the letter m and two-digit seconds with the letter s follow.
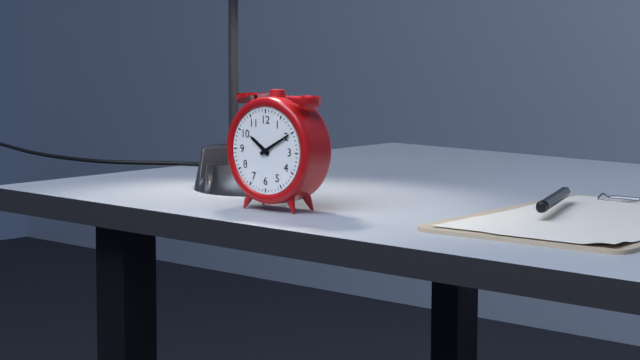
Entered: 10h10
